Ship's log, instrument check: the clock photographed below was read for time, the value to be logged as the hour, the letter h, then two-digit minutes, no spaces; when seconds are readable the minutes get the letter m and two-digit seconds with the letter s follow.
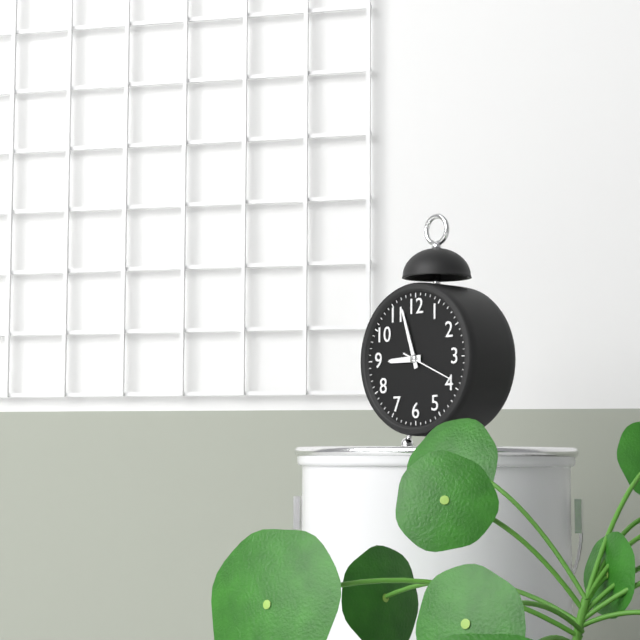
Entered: 8h57m19s
